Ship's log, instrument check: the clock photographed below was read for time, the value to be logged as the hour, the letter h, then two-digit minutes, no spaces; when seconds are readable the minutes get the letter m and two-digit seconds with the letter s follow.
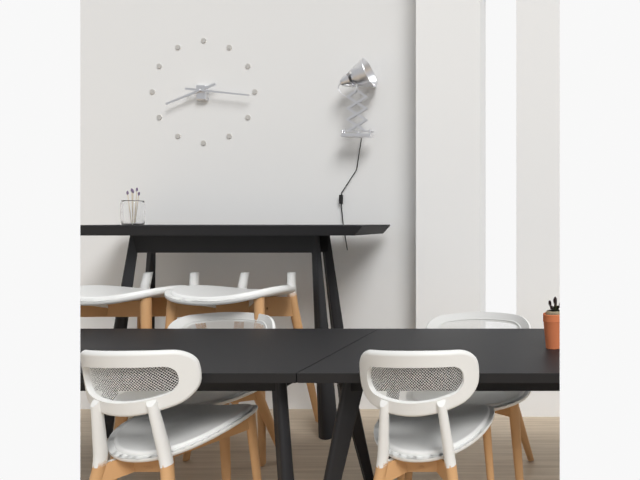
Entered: 8h16
